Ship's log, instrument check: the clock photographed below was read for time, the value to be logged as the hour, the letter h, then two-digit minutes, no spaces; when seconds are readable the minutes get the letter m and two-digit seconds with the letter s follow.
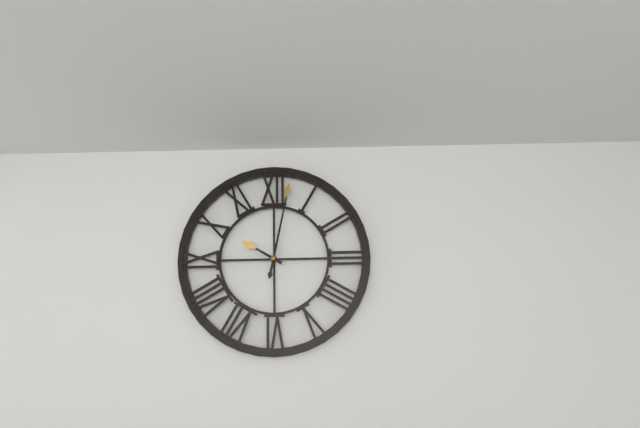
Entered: 10h02
